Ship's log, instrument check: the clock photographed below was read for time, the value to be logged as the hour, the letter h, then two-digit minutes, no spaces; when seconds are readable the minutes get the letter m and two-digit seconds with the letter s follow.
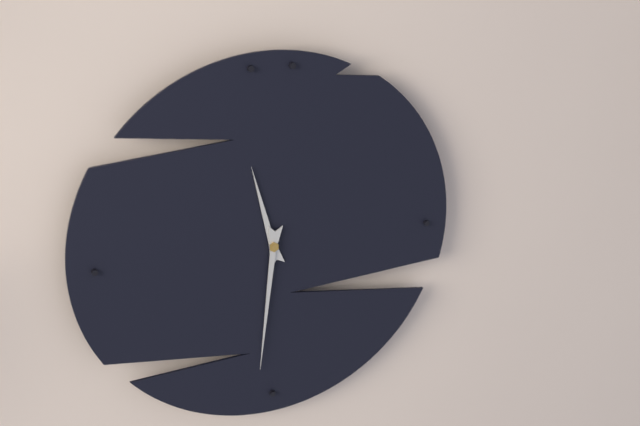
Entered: 11h31
